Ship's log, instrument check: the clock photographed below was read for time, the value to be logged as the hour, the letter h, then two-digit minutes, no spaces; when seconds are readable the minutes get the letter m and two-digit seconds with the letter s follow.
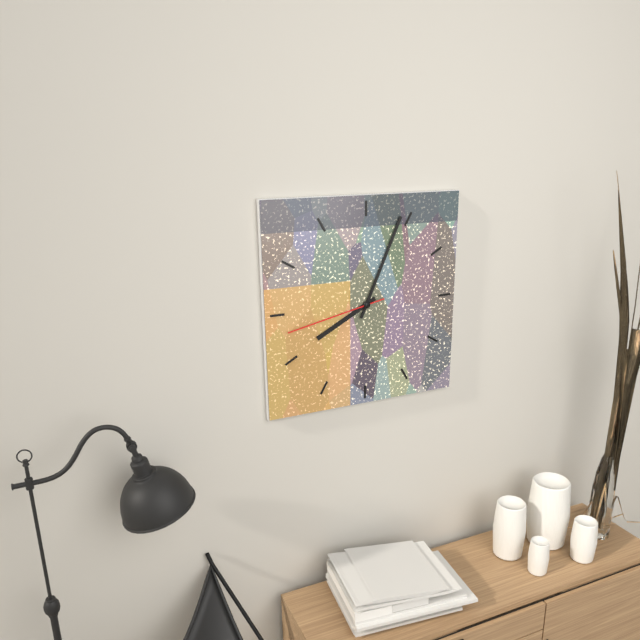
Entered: 8h04m43s
